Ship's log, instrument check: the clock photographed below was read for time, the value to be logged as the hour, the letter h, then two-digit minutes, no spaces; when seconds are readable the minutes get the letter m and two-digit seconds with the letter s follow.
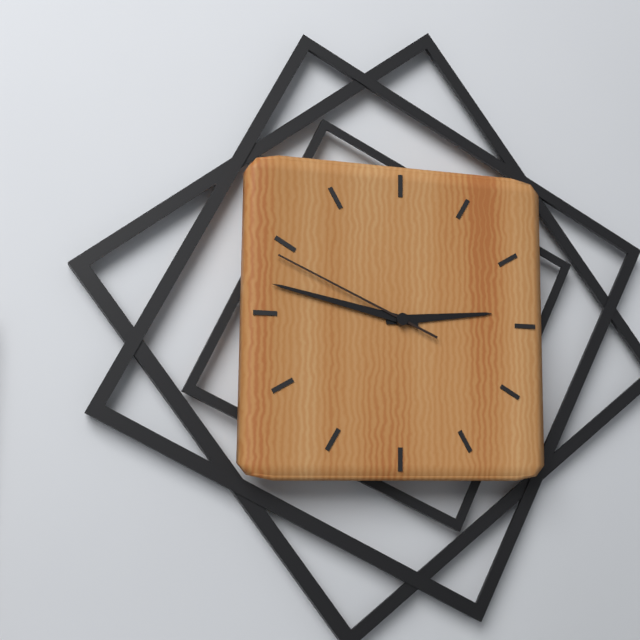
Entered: 2h47m49s
